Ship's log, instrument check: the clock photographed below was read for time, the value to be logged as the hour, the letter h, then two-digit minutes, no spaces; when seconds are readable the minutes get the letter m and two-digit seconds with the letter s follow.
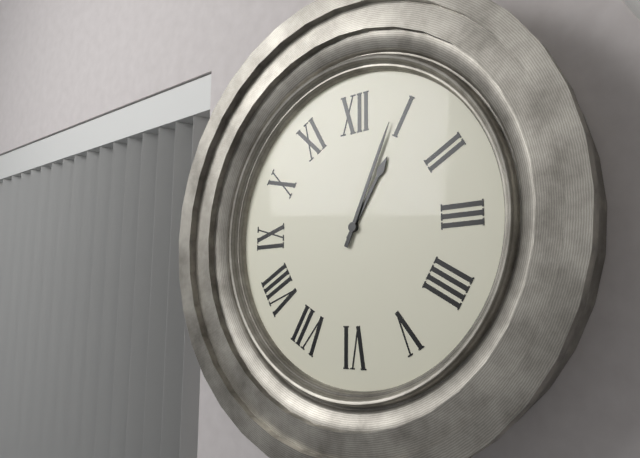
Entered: 1h04
